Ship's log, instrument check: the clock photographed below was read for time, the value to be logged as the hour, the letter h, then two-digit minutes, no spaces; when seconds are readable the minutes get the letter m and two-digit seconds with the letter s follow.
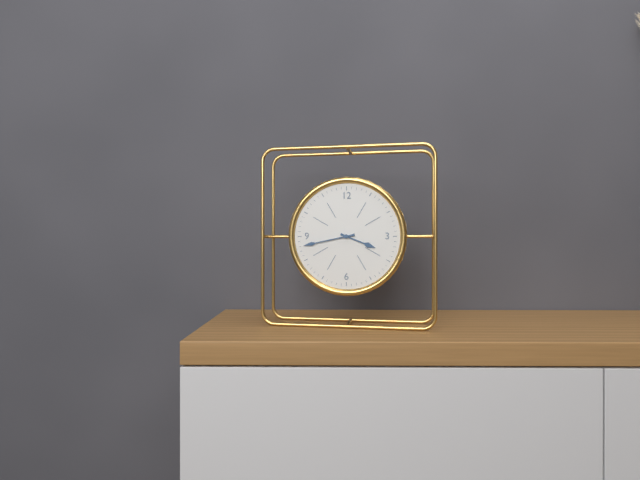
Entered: 3h43
